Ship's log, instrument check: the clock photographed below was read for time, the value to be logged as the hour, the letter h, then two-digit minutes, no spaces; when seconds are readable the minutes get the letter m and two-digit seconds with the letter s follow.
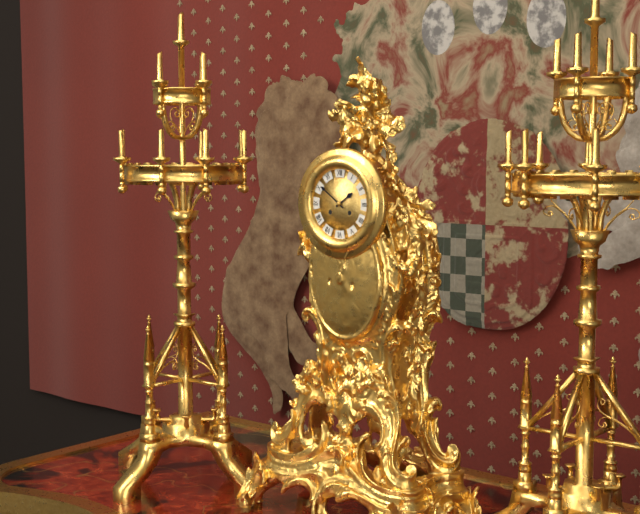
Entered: 1h51
